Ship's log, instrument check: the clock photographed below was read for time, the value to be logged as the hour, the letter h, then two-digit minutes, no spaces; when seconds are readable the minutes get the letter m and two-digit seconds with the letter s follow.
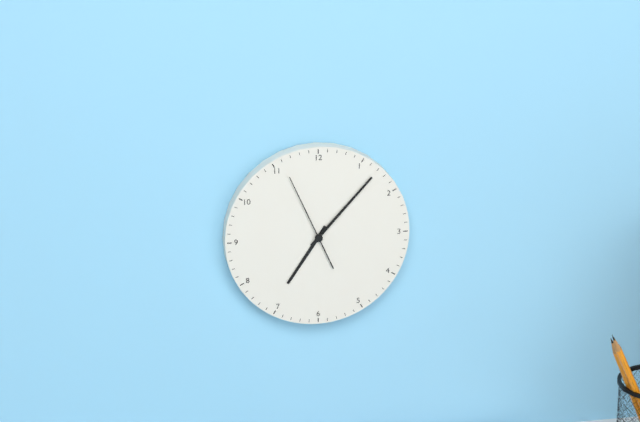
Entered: 7h07m56s
